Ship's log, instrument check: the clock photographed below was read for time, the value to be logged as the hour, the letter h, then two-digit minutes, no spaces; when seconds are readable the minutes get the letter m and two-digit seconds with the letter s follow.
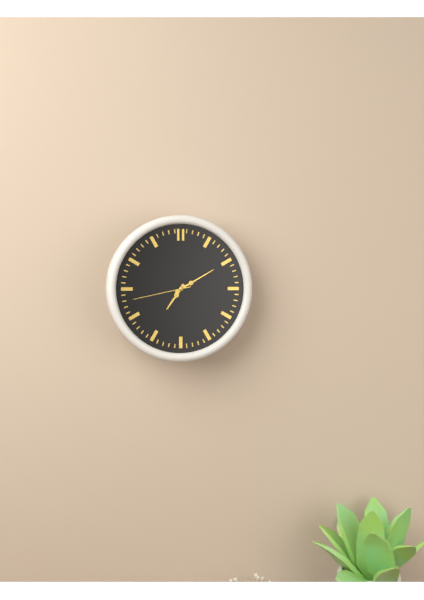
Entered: 7h10m43s
